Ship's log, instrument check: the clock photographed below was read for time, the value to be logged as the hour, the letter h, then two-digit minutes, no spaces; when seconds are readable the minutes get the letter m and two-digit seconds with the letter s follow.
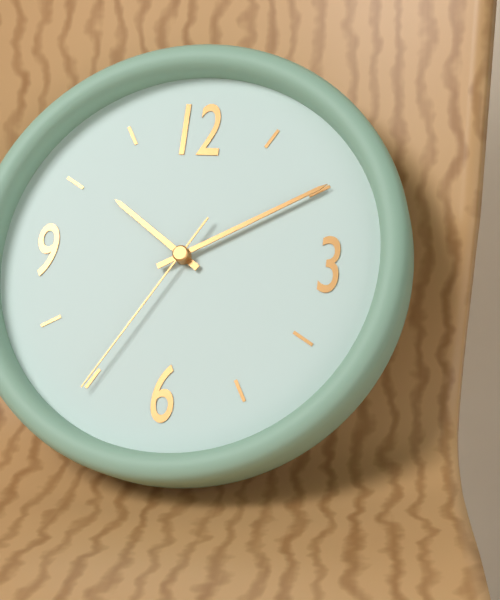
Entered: 10h10m35s
